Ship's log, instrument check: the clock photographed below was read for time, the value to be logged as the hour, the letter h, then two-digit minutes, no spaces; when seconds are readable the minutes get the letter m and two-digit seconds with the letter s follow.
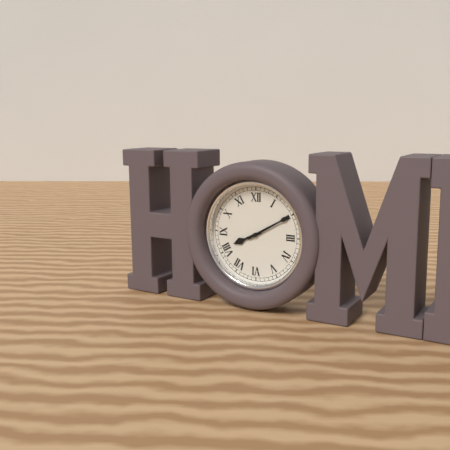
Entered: 8h10
